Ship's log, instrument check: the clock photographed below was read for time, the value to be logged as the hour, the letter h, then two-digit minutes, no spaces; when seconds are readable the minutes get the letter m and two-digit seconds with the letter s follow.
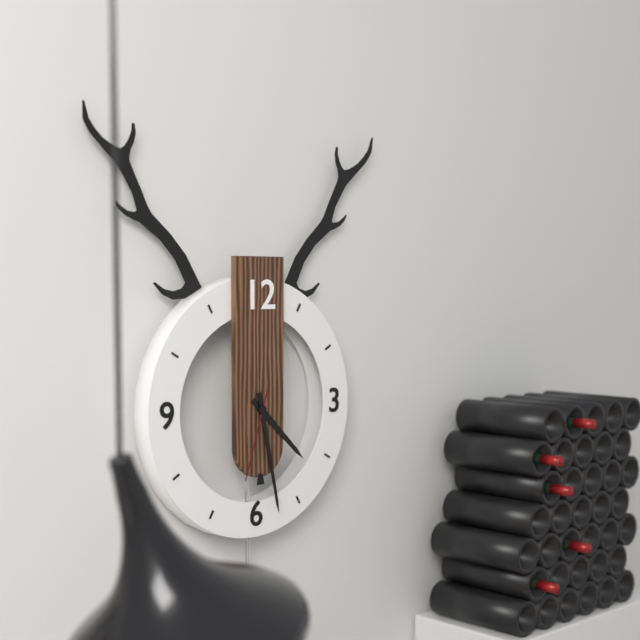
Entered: 4h28m33s
